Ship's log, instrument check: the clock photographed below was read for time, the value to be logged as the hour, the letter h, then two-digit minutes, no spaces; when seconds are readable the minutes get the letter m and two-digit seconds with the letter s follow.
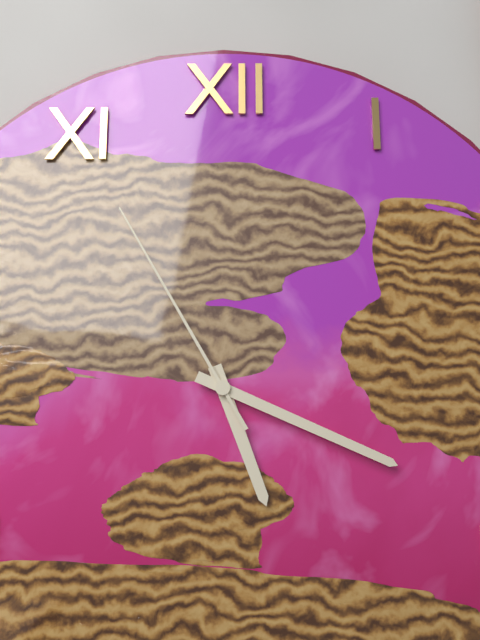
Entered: 5h19m55s
